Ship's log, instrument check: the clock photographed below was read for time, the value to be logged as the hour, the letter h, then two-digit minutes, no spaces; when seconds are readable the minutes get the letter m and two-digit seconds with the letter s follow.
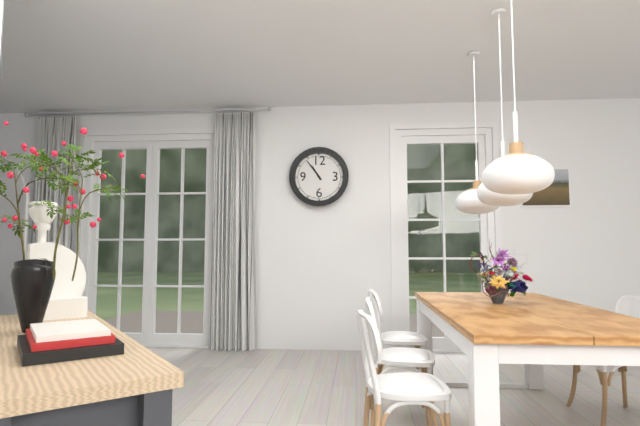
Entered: 10h54
